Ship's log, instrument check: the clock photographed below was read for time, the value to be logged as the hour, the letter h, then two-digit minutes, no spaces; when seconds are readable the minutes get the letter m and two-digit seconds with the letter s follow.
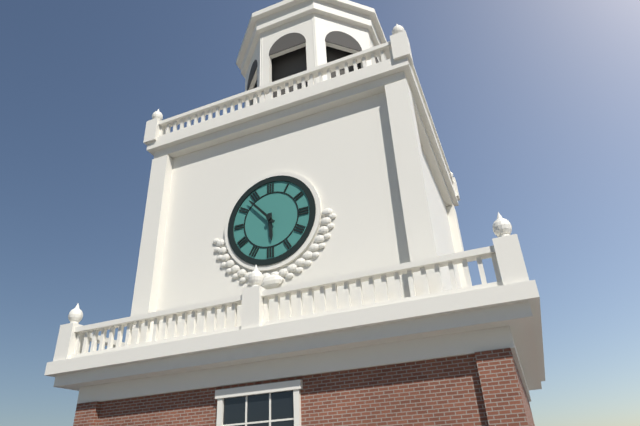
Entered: 5h53
